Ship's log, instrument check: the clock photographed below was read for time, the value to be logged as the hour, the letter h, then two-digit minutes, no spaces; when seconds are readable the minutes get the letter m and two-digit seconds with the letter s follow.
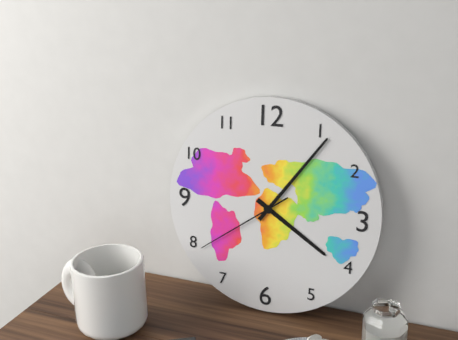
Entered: 4h06m39s
